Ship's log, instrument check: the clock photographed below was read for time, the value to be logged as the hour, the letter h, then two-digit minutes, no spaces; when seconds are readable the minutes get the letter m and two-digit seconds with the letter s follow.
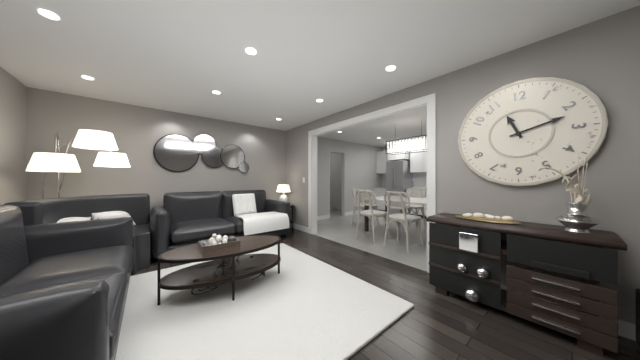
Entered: 11h12
